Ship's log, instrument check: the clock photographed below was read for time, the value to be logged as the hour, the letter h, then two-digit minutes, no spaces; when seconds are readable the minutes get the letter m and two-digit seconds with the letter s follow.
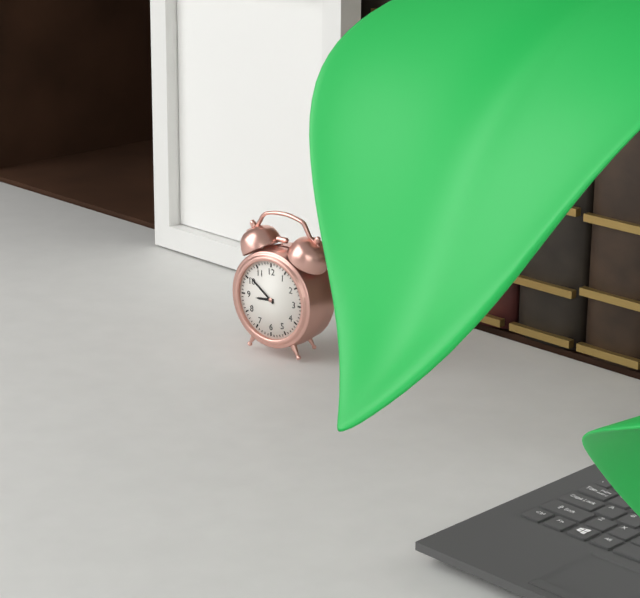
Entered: 8h51
